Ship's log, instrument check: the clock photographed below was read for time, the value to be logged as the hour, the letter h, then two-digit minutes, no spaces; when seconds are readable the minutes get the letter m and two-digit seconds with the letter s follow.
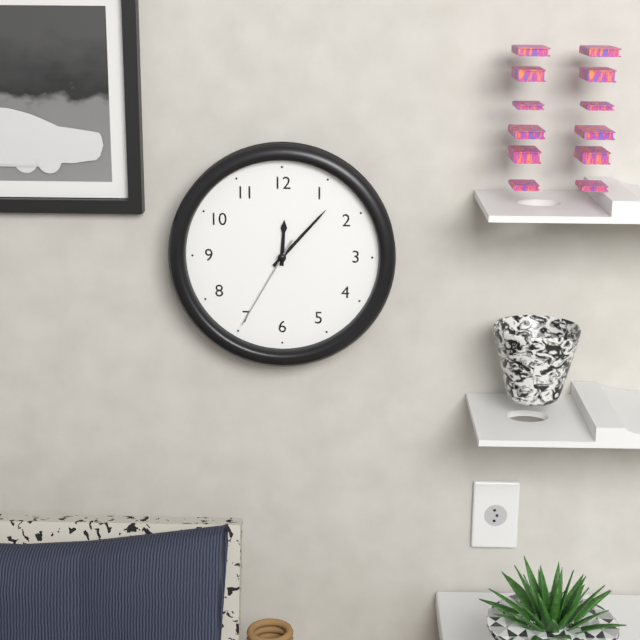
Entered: 12h07m35s
